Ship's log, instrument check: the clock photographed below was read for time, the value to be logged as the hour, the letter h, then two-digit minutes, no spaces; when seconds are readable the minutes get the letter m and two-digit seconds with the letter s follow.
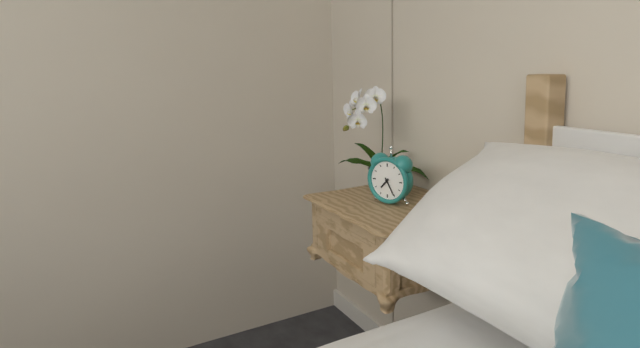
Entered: 7h25
